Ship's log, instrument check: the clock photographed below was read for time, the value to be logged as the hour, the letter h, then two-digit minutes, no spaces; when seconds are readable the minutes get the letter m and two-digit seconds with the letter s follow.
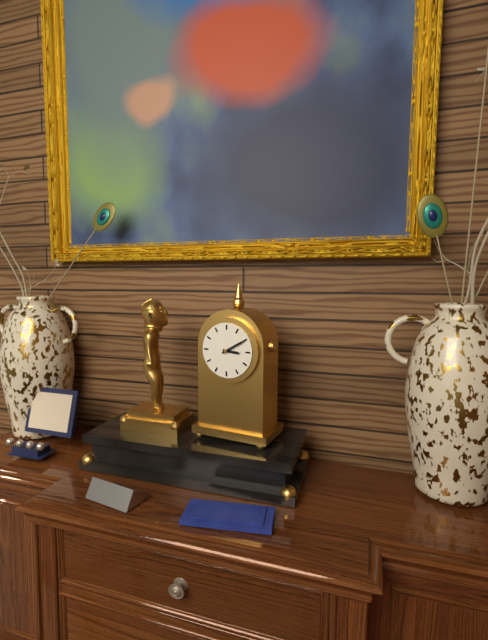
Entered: 3h10
